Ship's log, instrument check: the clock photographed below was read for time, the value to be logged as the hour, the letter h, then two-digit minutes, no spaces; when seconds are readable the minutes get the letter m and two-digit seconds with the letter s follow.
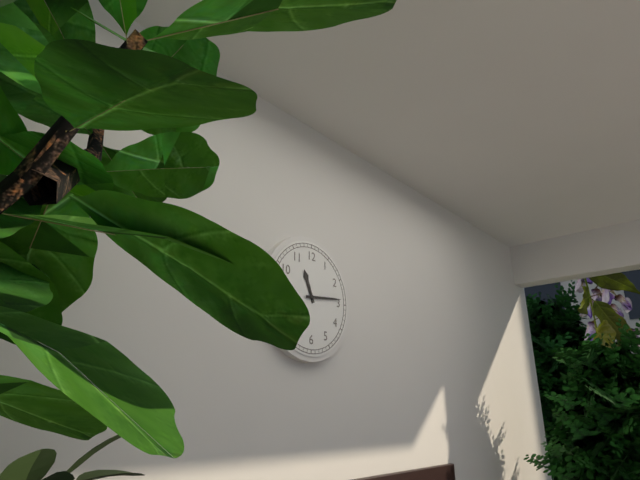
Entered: 11h14
